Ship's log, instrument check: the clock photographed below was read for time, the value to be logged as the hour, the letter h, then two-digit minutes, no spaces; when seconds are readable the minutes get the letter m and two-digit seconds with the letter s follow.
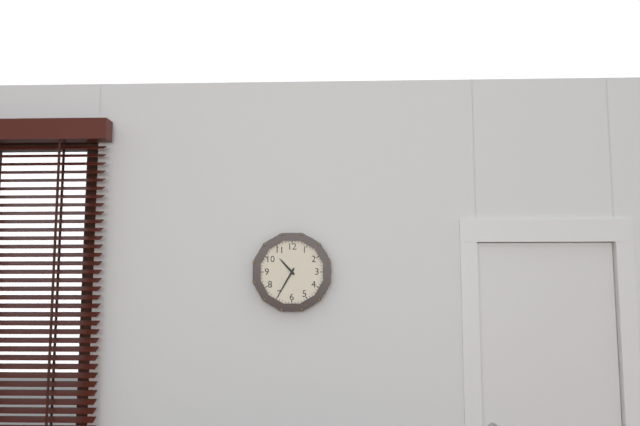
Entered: 10h35
